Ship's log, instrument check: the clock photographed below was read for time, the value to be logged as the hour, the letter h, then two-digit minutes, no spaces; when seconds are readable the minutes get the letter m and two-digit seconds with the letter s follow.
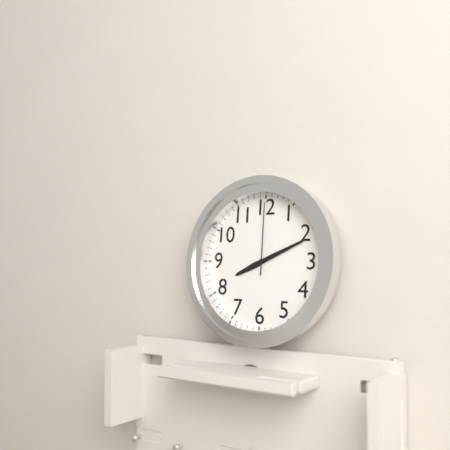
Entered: 8h11m00s
